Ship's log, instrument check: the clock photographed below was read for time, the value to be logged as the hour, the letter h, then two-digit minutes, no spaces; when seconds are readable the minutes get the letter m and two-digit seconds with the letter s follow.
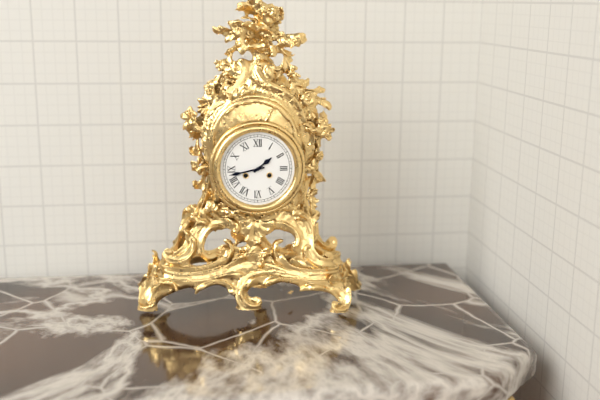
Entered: 1h43
